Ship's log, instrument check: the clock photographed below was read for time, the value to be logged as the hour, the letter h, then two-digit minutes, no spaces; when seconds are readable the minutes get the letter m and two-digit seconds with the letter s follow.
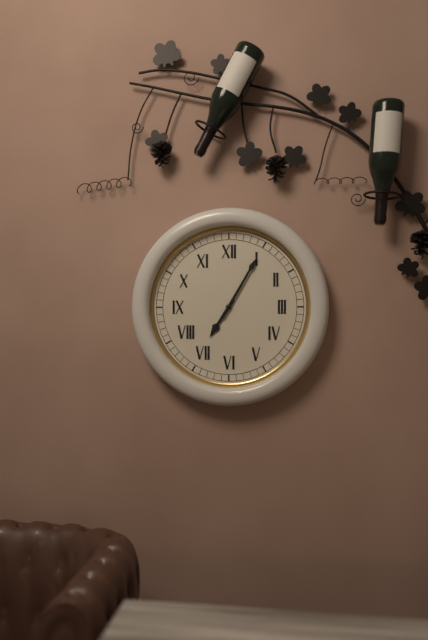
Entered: 7h05
